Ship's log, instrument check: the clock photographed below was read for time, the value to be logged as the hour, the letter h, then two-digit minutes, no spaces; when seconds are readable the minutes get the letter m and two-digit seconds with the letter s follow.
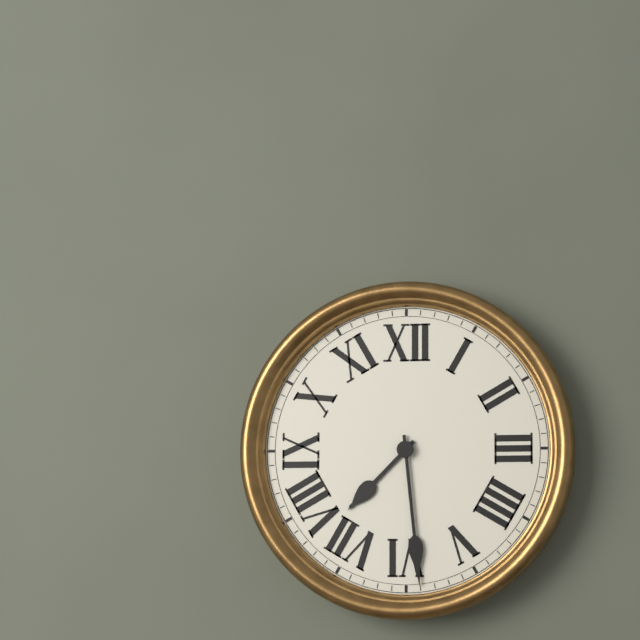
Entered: 7h29
